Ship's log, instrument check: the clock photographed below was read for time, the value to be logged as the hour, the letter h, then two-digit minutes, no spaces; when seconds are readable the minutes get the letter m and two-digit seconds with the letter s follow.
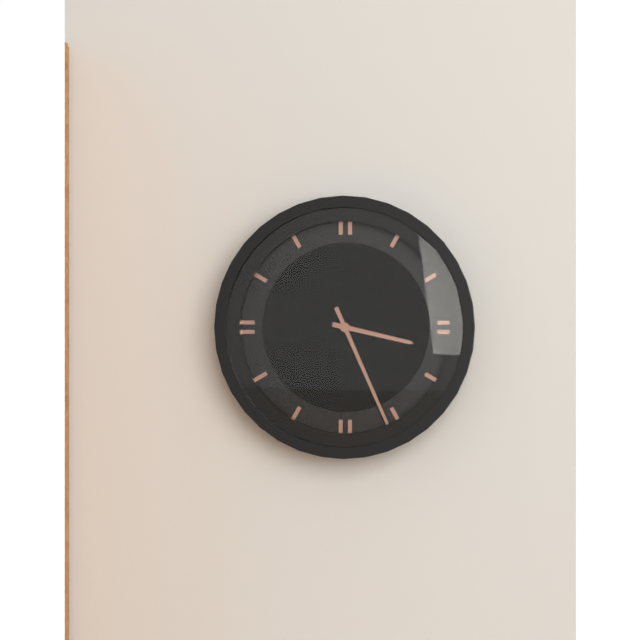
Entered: 3h26
